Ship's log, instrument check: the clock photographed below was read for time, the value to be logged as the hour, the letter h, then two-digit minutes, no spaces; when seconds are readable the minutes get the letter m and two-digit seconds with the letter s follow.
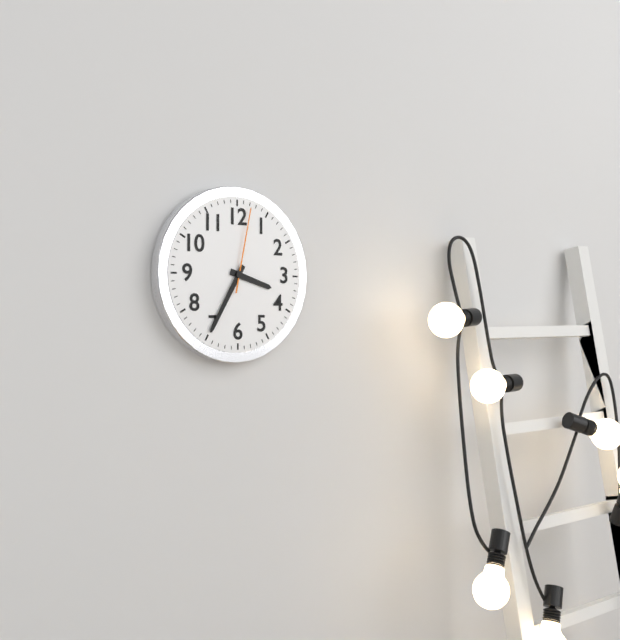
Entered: 3h35m02s
